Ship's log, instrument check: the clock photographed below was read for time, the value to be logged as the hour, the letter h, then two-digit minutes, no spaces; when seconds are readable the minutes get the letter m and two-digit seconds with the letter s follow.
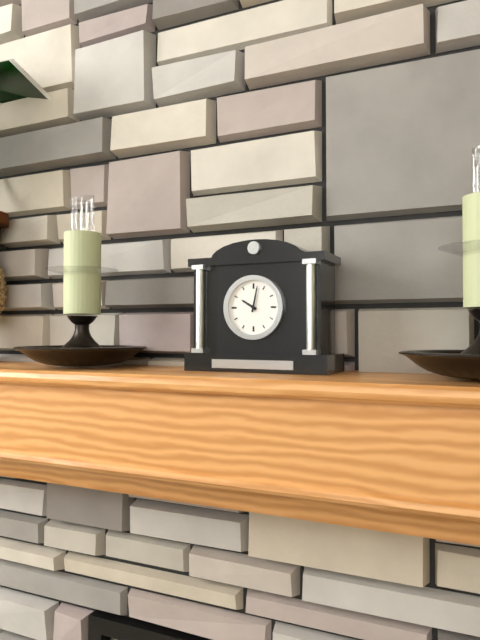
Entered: 10h02
